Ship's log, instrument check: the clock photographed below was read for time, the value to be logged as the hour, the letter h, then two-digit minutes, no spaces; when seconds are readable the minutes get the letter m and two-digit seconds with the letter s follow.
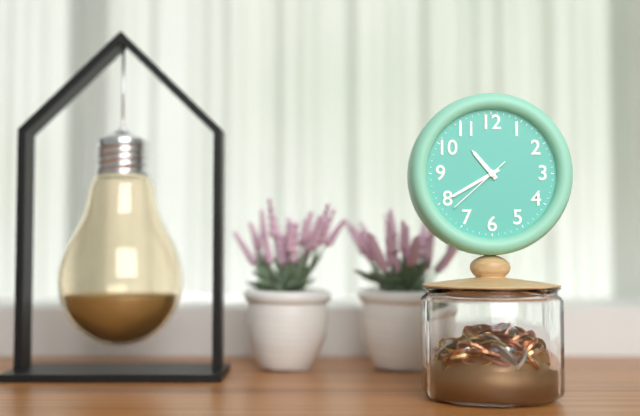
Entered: 10h40m38s
